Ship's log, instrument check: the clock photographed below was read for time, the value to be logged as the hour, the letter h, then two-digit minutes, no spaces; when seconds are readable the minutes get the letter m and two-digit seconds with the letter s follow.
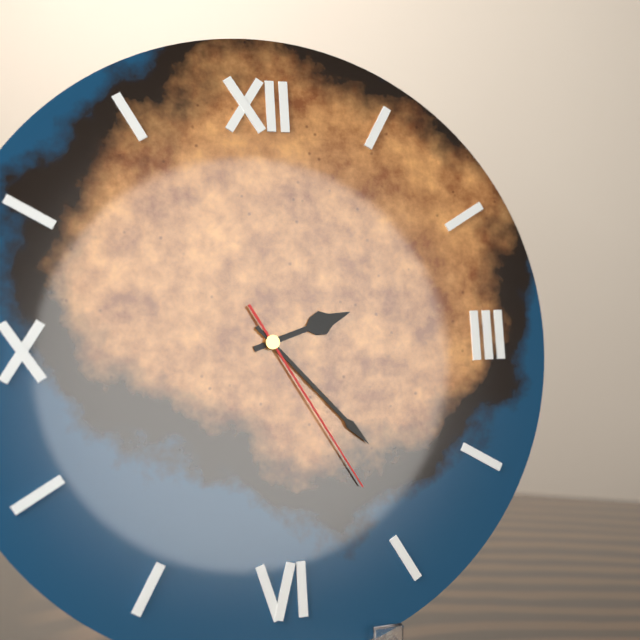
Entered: 2h23m25s
